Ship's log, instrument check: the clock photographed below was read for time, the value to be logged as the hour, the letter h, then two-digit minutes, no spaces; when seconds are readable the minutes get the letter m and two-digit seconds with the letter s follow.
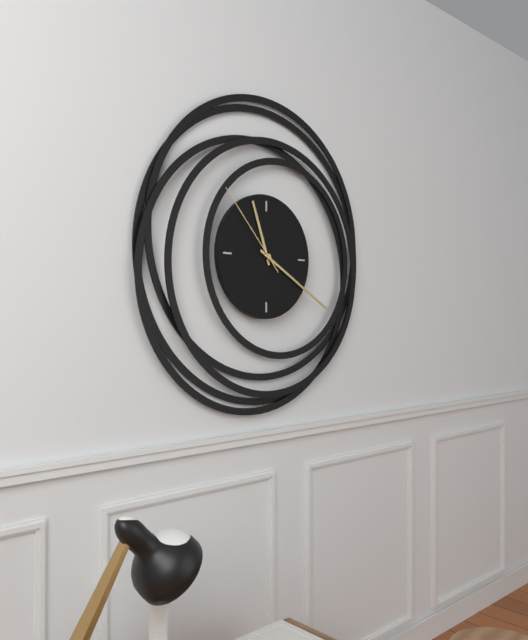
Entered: 11h20m53s
